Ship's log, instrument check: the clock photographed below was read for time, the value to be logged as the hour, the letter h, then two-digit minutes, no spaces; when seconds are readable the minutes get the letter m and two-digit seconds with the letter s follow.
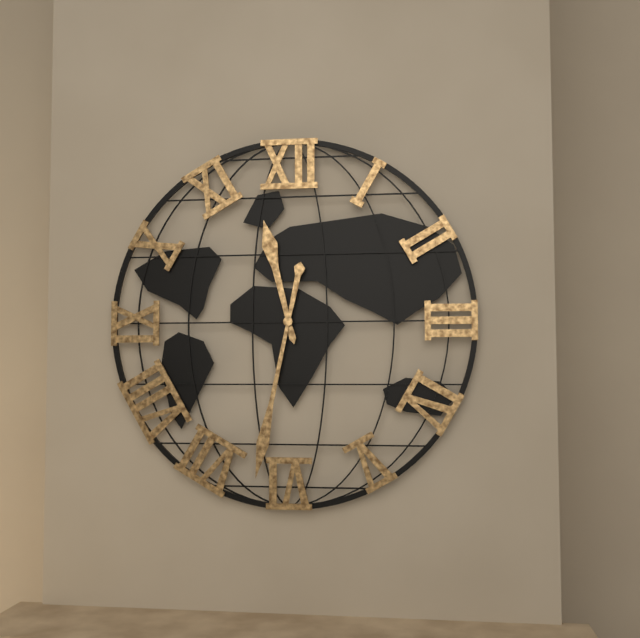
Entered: 11h32
